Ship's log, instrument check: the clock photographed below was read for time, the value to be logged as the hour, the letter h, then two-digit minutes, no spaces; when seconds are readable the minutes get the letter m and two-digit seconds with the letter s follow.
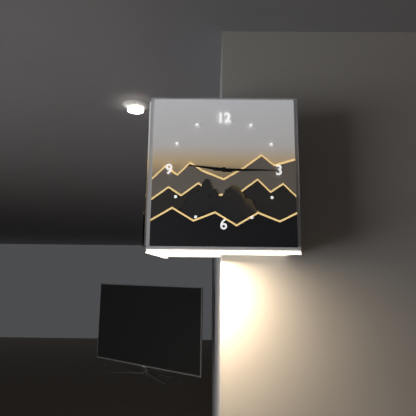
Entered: 9h15
